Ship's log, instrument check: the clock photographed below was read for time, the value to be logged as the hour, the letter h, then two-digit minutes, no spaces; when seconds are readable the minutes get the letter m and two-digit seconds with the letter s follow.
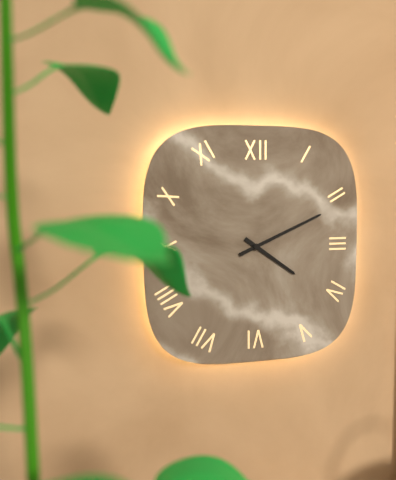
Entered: 4h11
